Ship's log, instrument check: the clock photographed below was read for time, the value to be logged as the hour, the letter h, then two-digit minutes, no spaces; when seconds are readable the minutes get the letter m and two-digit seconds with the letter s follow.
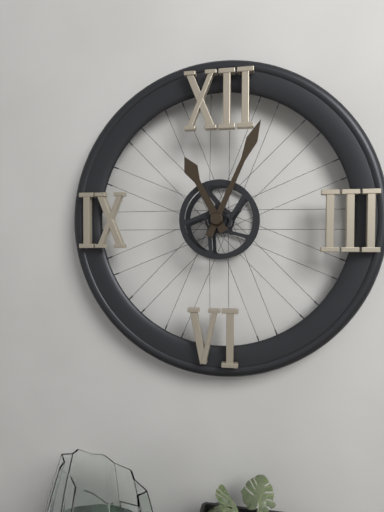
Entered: 11h04
